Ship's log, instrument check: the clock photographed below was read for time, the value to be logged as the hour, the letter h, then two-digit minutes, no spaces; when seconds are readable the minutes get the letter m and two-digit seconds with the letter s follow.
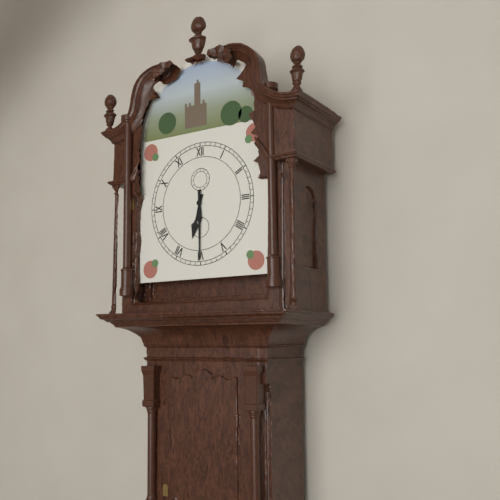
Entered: 6h30
